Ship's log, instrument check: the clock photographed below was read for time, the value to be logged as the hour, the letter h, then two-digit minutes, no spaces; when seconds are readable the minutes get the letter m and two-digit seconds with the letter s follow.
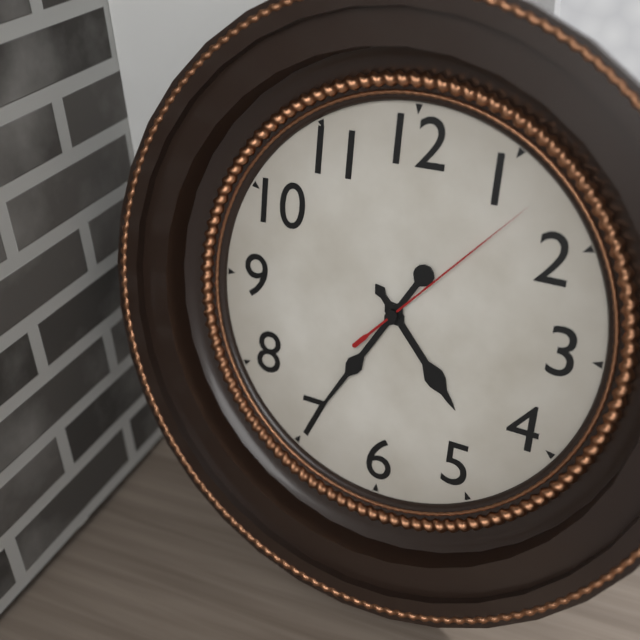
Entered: 4h35m07s
